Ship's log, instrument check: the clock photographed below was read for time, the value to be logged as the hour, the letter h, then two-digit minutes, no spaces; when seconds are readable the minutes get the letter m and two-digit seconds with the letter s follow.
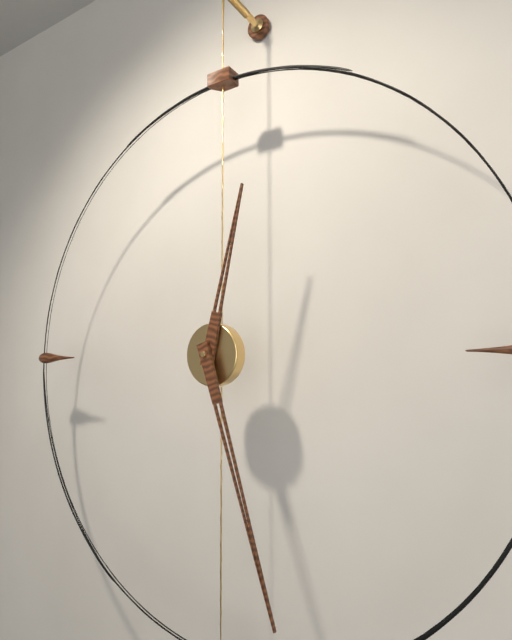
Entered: 12h27
